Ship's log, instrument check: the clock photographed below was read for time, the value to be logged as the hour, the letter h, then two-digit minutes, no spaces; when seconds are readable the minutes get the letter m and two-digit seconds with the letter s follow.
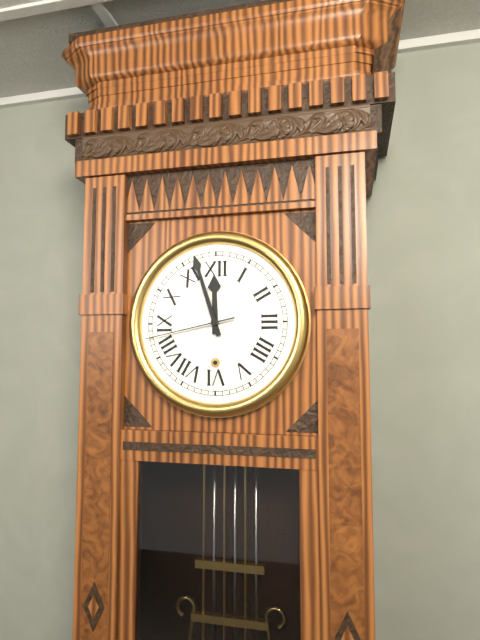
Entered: 11h57m43s
